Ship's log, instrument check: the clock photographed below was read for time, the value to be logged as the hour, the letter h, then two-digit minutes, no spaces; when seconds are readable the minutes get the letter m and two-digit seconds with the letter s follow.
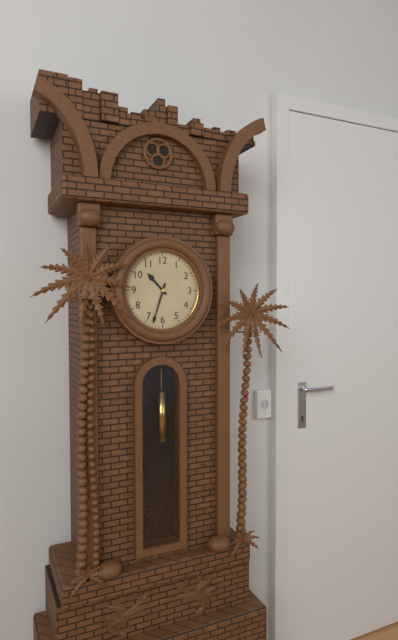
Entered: 10h33
